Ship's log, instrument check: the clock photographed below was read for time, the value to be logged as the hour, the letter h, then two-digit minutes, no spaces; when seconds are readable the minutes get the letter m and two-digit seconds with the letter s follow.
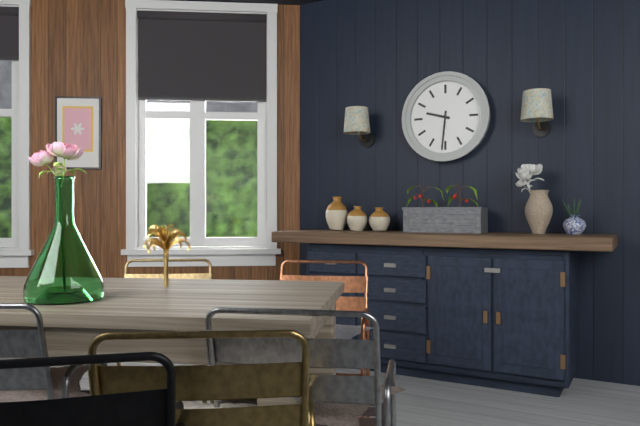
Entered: 9h31
